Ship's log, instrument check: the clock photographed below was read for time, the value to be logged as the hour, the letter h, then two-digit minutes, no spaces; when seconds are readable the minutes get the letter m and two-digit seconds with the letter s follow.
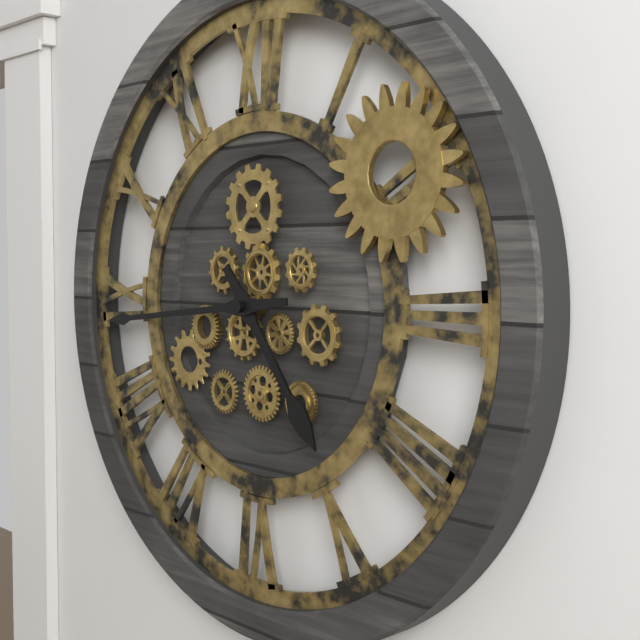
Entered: 4h44
